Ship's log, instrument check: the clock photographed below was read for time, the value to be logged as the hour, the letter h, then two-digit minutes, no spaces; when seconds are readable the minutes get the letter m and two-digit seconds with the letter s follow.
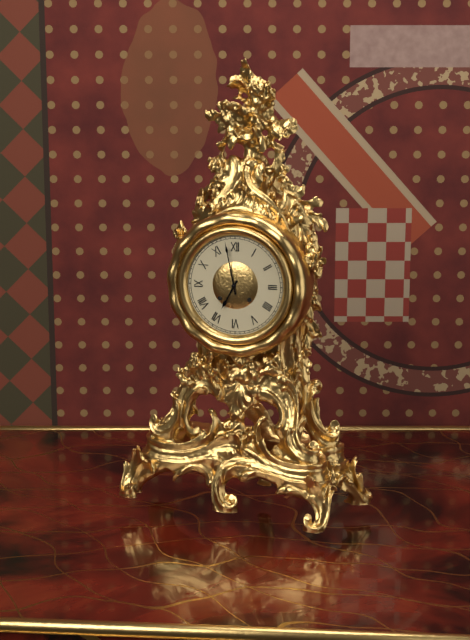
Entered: 6h58
